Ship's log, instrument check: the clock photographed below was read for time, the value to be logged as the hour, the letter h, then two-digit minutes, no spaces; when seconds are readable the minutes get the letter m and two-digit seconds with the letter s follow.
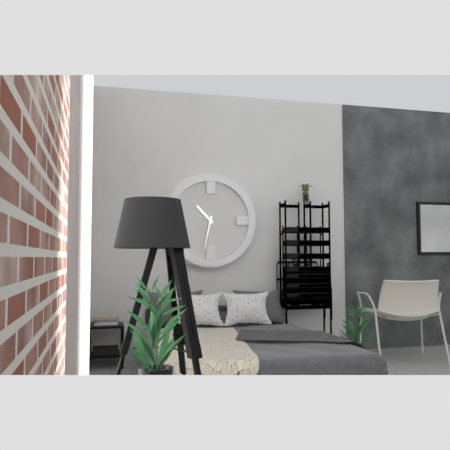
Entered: 10h32
